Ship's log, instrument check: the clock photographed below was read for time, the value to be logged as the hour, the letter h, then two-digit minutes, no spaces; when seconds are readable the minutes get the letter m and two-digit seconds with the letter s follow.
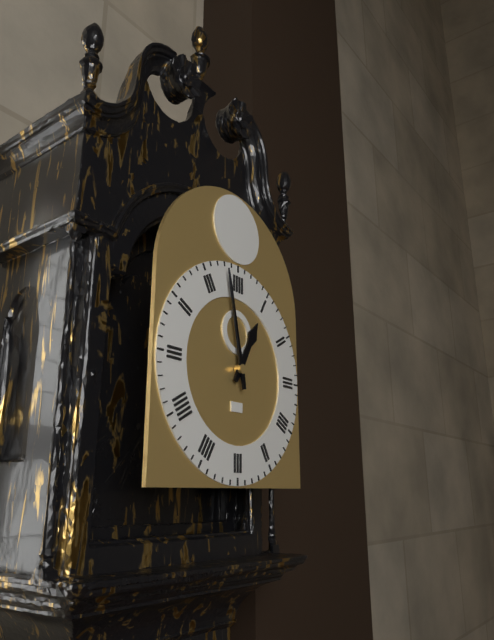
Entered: 12h58
